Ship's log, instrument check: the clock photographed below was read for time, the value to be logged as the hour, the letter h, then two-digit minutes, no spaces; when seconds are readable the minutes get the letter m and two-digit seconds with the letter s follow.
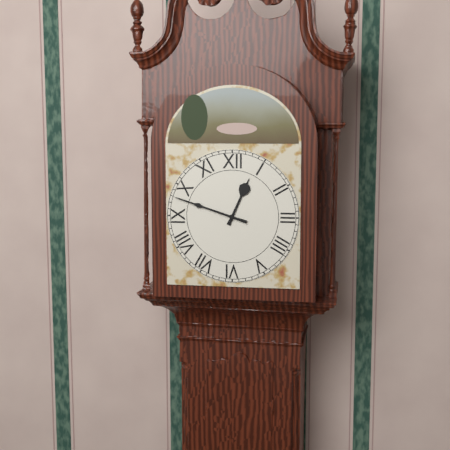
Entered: 12h48
